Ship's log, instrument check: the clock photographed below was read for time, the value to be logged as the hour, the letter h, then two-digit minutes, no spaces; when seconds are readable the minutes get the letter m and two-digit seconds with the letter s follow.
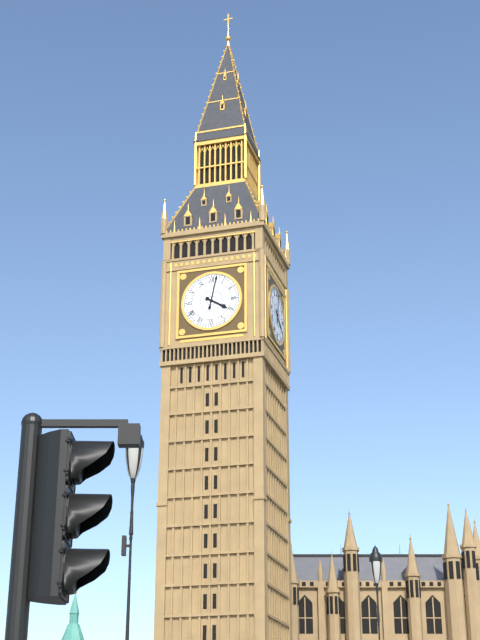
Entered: 4h02
